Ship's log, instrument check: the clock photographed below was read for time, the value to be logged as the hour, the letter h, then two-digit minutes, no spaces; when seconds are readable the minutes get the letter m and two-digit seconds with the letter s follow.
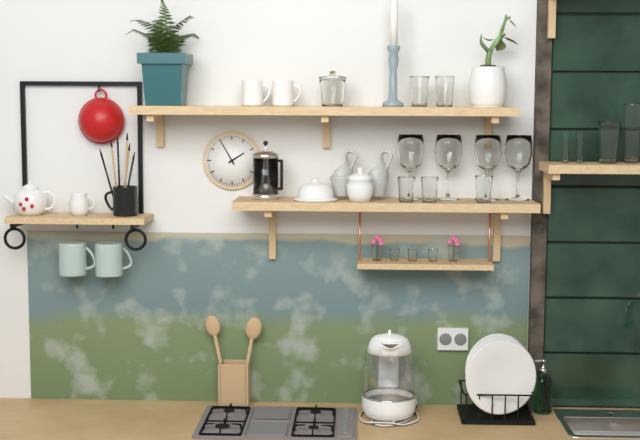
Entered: 1h55
